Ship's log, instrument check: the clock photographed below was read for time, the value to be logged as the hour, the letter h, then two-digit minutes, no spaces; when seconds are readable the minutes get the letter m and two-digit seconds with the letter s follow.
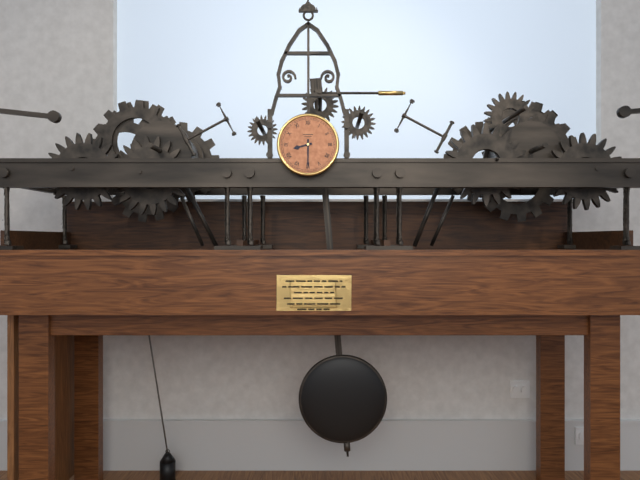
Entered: 8h30
